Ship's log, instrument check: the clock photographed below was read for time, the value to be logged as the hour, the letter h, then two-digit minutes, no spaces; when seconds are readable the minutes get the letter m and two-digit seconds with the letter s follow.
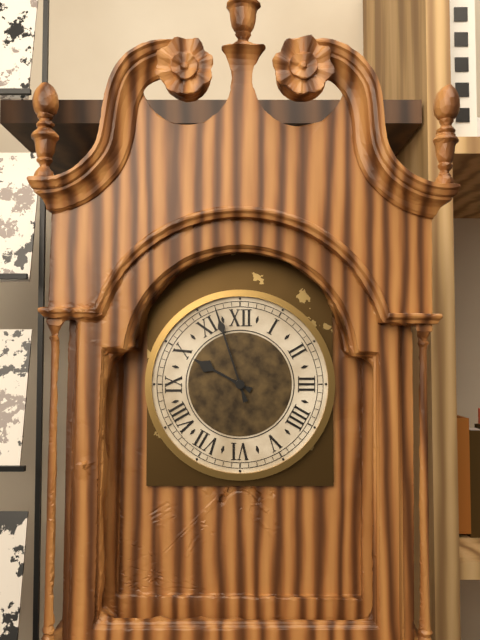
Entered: 9h57
